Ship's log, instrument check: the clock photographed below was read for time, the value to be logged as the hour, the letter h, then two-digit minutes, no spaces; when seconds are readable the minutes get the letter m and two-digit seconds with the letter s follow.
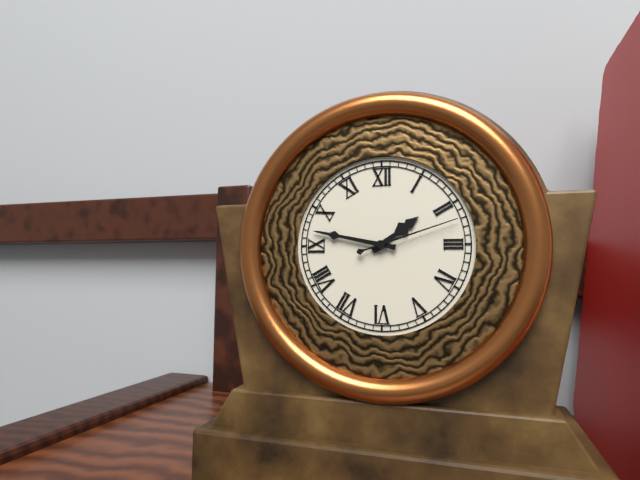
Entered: 1h47m12s
